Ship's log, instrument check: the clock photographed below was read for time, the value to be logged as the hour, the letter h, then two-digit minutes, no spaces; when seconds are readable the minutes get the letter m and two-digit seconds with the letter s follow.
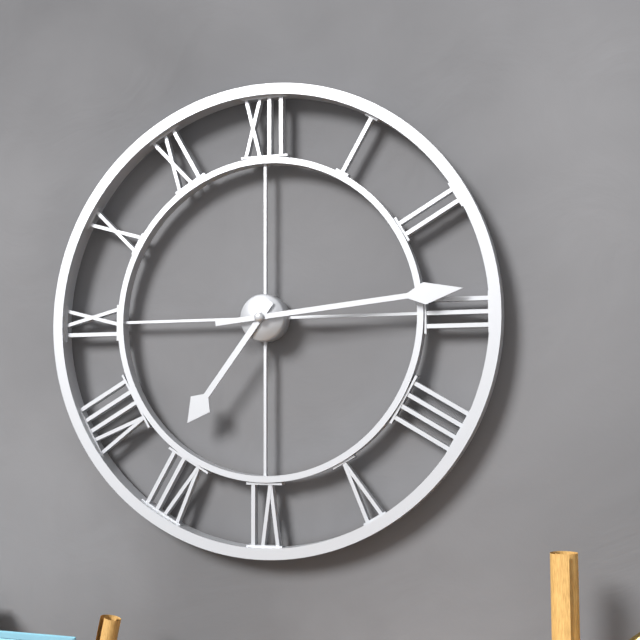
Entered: 7h14
